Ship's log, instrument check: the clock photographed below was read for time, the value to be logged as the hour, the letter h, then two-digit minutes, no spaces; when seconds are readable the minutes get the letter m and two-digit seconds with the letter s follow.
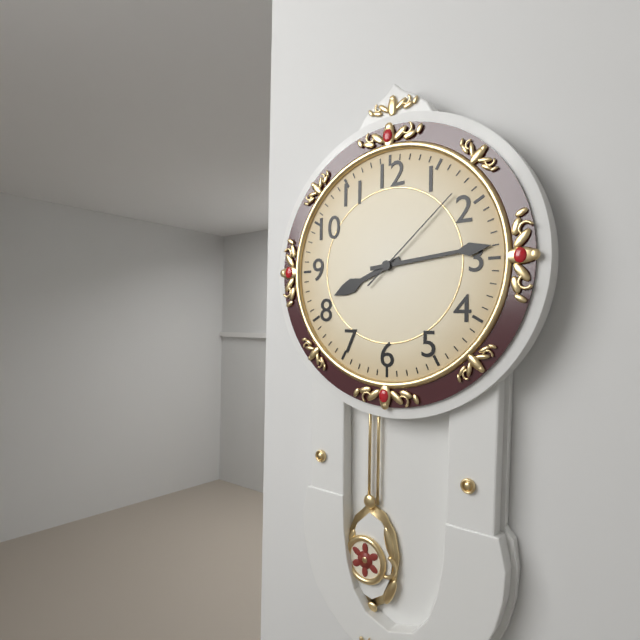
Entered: 8h14m08s
